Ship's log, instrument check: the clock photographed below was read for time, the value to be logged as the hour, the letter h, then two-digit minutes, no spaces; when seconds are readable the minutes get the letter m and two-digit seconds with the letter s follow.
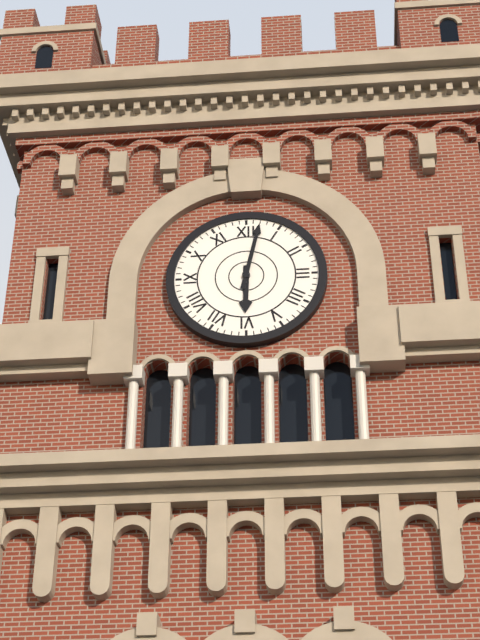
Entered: 6h02
